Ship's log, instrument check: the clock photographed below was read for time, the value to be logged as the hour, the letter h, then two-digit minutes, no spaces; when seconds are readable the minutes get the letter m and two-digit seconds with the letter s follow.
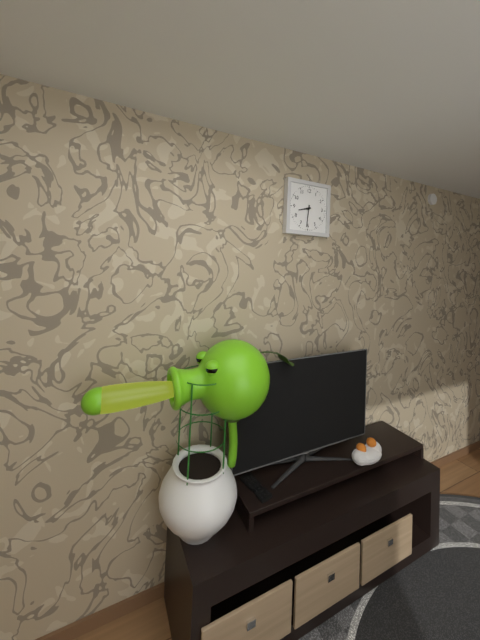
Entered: 8h31
